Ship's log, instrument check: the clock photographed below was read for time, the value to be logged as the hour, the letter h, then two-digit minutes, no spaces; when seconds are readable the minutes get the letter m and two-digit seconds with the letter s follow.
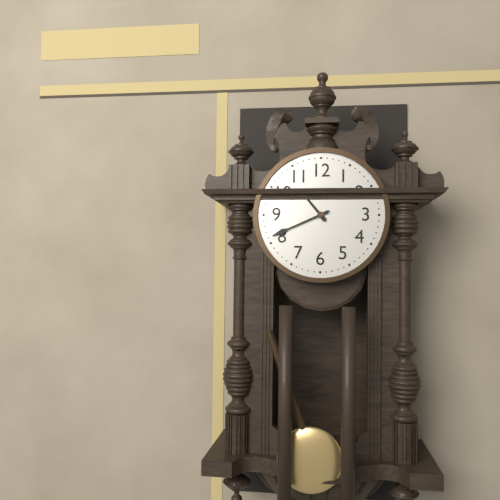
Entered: 10h41
